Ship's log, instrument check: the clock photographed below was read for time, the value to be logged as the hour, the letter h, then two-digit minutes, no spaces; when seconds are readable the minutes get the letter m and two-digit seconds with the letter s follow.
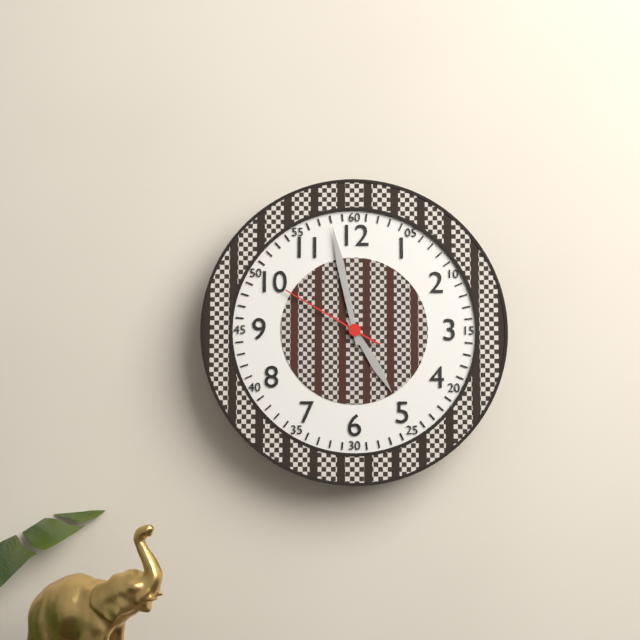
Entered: 4h58m50s
